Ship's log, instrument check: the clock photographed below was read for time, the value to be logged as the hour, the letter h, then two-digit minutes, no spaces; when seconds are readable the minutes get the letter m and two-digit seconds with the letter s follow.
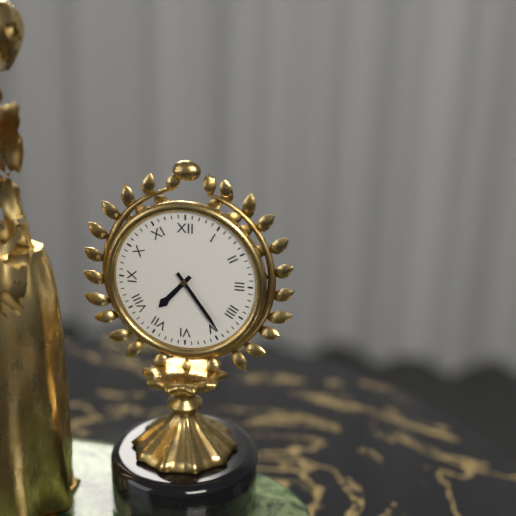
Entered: 7h24
